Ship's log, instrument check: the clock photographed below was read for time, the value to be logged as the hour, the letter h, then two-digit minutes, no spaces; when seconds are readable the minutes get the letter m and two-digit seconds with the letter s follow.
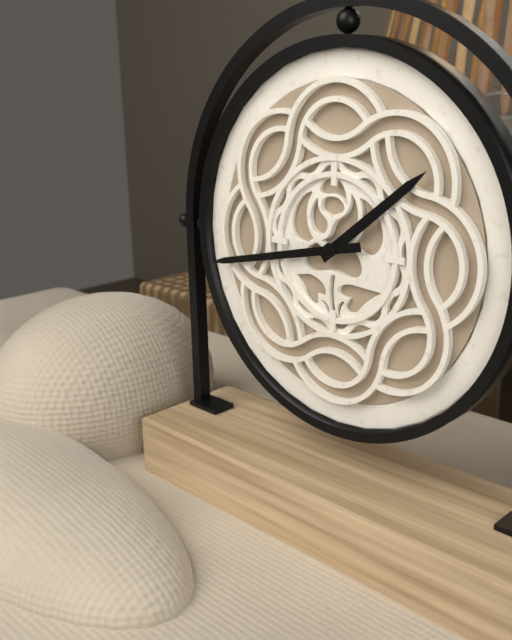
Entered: 1h43
